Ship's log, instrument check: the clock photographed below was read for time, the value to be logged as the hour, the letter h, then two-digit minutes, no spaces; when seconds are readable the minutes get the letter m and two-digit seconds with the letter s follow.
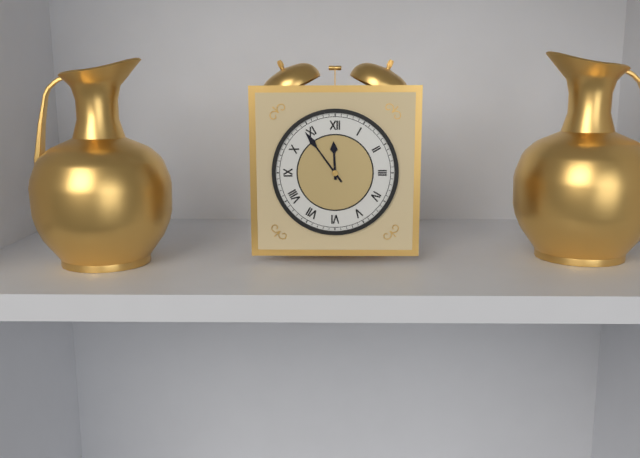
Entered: 11h54
